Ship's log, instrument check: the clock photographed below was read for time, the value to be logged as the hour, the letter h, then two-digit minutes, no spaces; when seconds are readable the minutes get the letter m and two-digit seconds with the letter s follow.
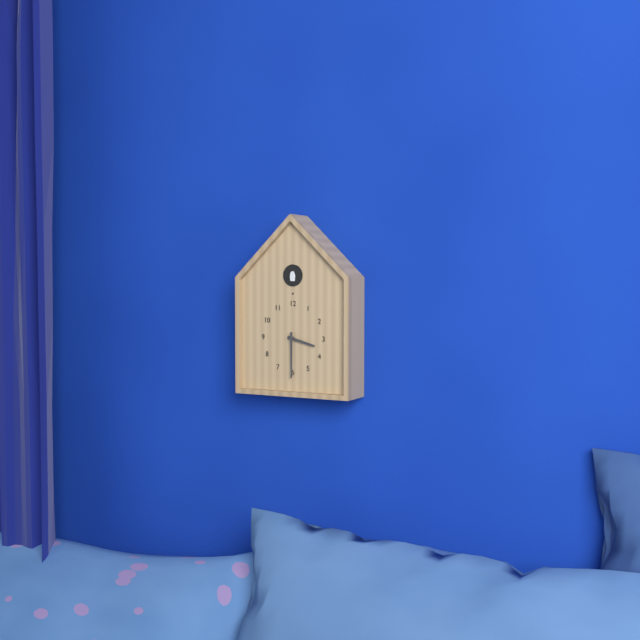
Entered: 3h30
